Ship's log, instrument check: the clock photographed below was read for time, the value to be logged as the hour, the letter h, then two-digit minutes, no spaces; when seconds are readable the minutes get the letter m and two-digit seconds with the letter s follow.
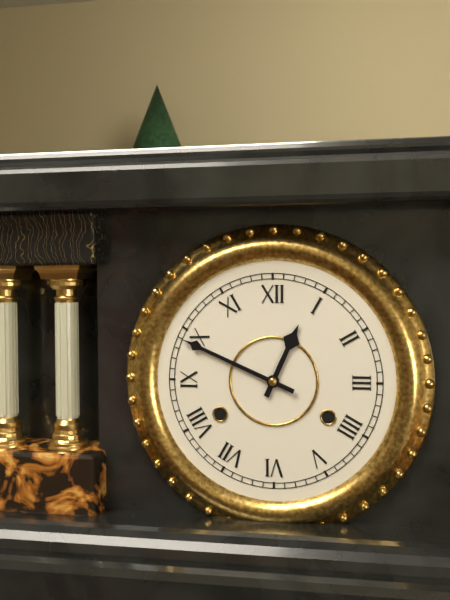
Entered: 12h49
